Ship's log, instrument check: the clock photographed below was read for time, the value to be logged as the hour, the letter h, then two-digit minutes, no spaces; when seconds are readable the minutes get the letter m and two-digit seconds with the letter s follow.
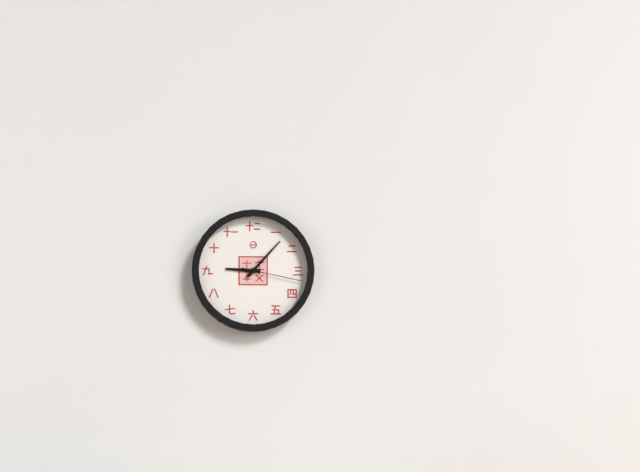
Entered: 9h07m17s
